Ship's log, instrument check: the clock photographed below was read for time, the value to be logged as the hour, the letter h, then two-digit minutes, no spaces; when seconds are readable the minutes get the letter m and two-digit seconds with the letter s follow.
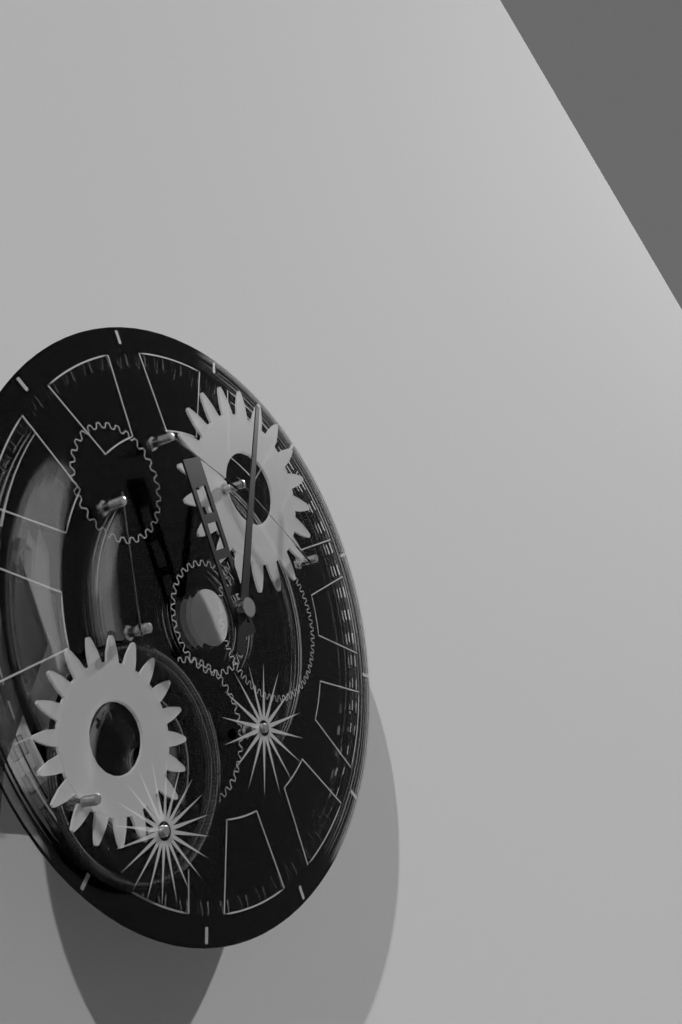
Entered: 11h01
